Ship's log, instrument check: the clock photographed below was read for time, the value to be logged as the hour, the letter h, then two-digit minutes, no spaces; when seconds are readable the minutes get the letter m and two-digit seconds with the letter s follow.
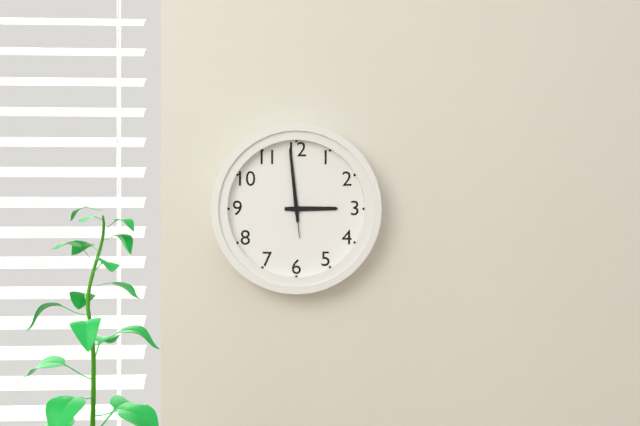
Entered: 2h59m59s
